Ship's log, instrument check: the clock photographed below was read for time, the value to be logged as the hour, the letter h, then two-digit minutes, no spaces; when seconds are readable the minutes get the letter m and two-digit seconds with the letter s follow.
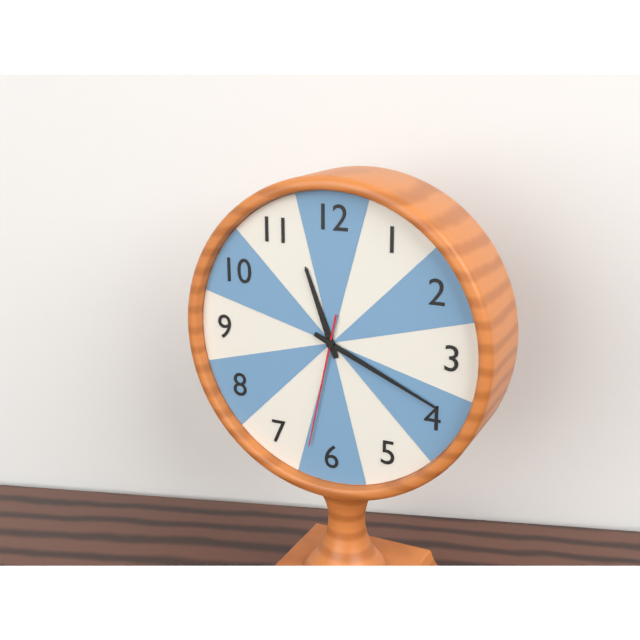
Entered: 11h19m32s
